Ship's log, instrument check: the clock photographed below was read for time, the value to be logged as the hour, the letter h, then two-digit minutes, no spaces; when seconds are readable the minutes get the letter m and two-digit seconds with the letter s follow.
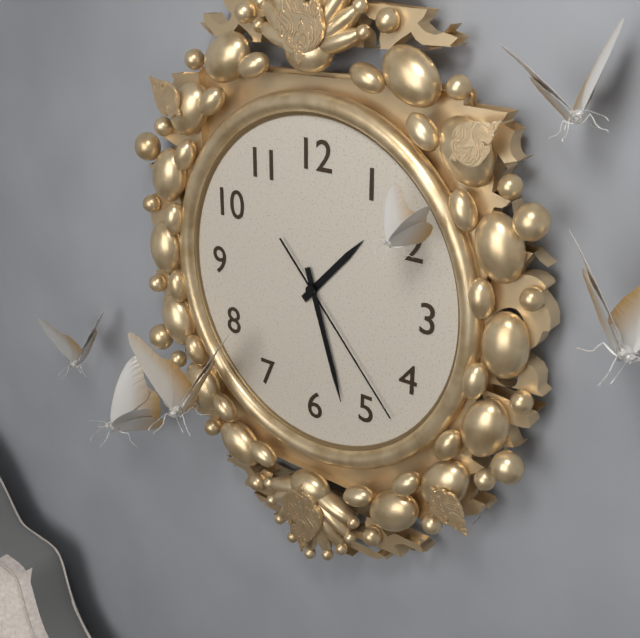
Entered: 1h27m23s
